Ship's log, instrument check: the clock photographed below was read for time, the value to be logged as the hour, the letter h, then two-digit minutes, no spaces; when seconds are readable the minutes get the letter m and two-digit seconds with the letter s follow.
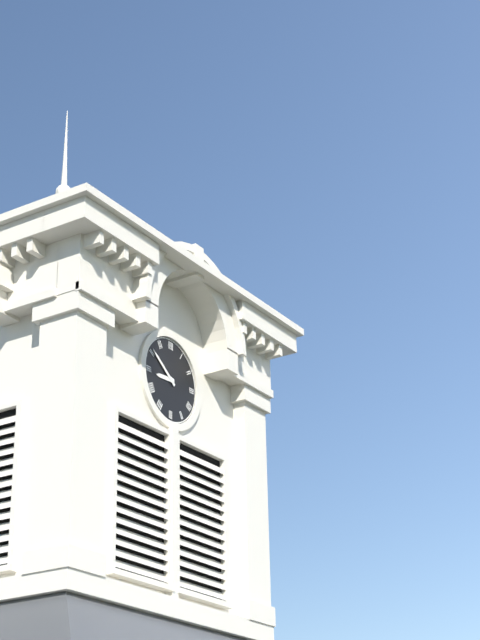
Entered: 8h51
